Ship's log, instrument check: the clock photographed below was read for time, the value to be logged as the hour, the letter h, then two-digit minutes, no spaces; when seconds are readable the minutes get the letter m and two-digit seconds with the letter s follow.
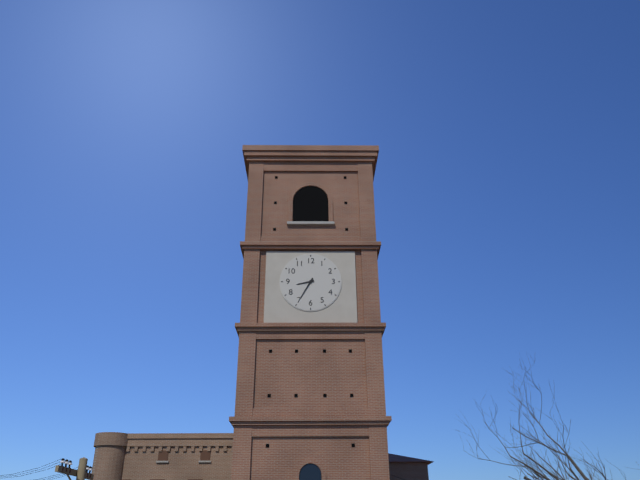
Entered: 8h35
